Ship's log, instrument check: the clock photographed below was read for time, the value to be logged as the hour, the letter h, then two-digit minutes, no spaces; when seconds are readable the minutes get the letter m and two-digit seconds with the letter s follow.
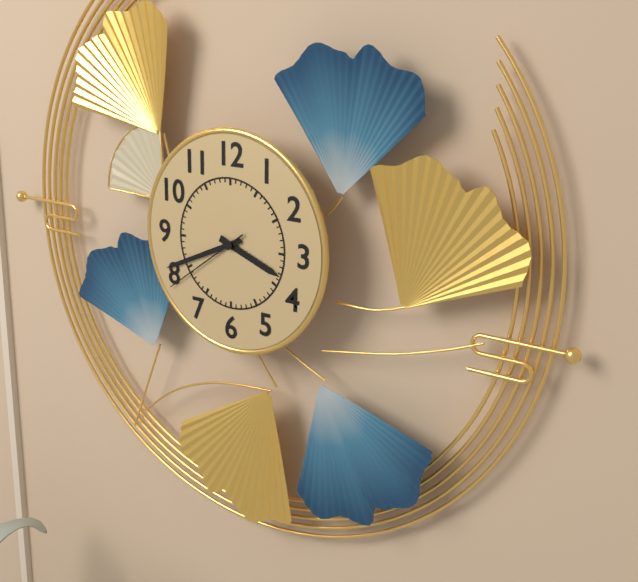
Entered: 3h41m39s
